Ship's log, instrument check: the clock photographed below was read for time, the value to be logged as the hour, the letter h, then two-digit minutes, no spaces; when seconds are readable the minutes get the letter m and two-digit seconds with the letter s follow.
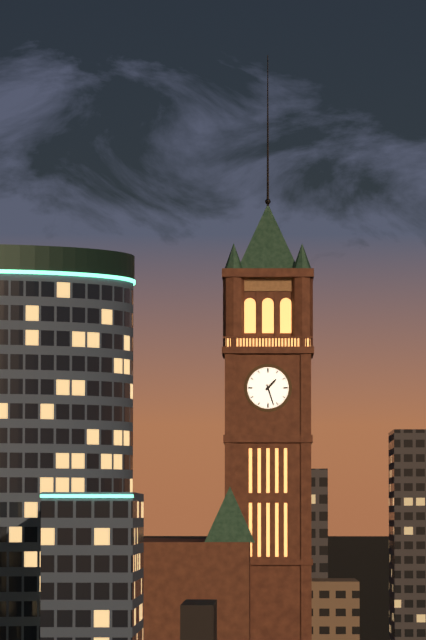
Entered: 1h27
